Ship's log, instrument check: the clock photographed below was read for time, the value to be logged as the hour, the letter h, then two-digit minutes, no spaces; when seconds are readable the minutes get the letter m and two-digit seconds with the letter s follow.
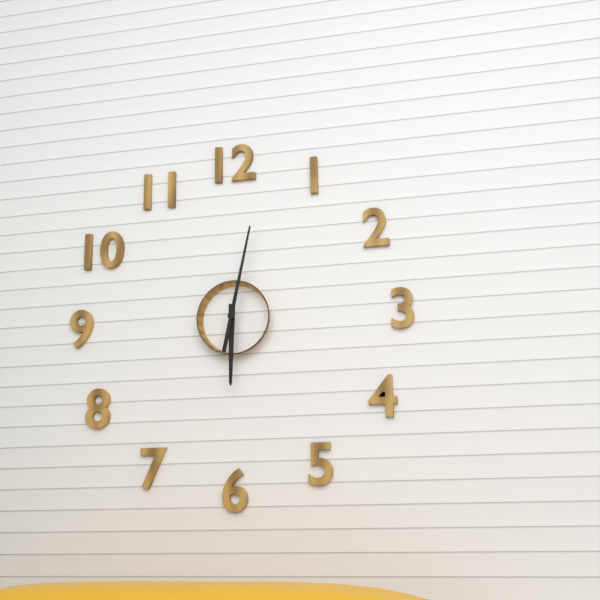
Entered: 6h02
